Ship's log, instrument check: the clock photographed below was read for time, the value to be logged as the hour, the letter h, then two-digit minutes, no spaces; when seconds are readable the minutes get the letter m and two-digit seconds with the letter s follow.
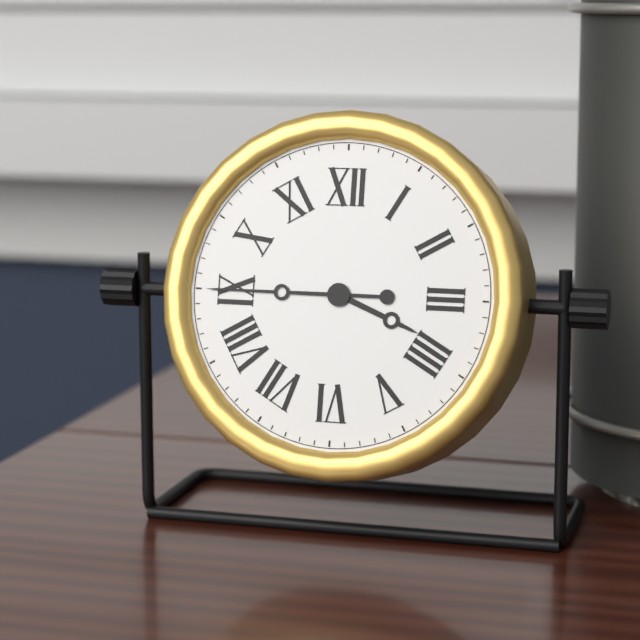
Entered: 3h45
